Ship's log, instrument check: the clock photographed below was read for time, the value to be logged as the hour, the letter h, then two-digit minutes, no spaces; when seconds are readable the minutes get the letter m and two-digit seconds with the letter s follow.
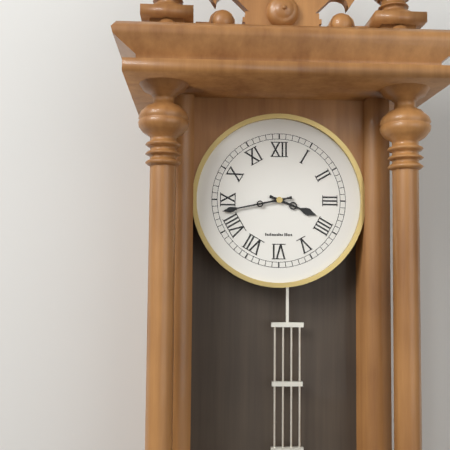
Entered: 3h43
